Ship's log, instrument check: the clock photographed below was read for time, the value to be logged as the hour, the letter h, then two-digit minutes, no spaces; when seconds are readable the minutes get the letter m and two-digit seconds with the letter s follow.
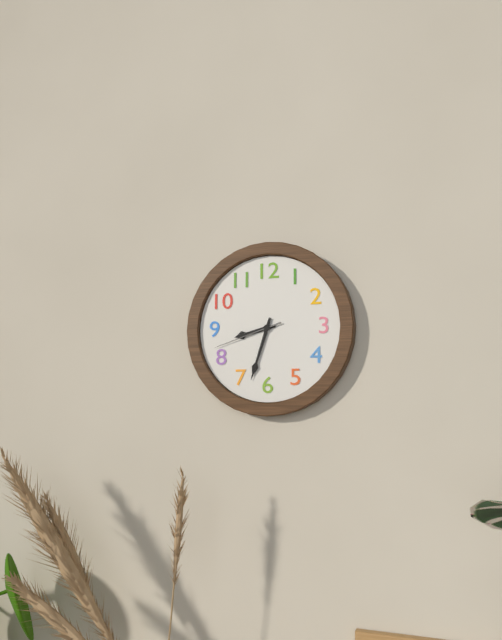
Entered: 8h33m42s
